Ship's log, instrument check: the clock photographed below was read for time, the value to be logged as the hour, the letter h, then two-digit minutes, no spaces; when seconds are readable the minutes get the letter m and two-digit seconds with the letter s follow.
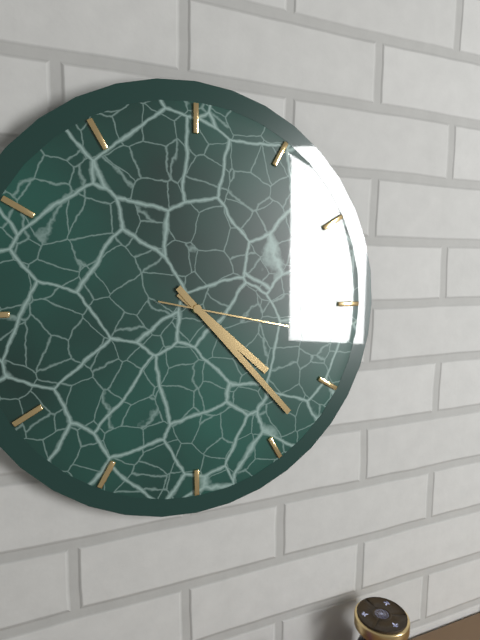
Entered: 4h23m17s
